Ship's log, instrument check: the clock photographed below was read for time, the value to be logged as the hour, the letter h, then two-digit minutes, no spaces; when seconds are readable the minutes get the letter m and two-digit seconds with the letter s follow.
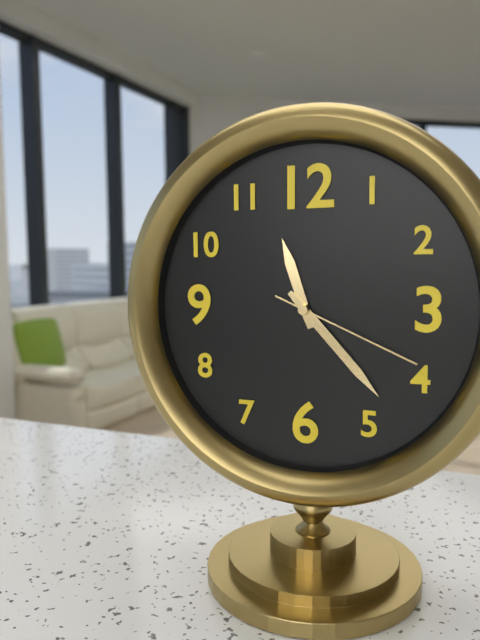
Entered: 11h23m19s
